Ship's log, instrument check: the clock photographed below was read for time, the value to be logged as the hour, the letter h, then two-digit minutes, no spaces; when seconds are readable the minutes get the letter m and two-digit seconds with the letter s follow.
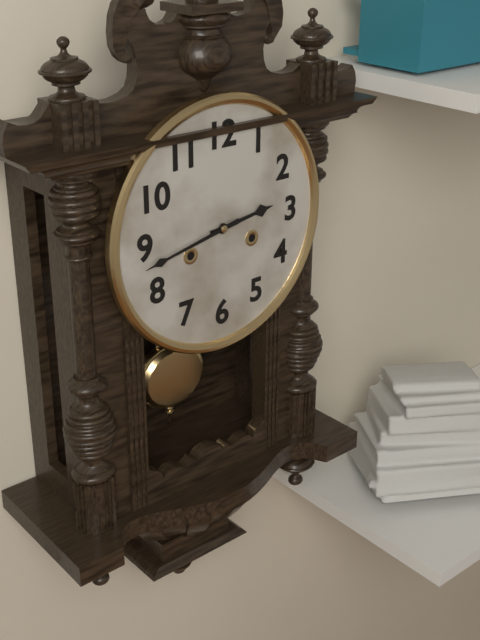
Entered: 2h43
